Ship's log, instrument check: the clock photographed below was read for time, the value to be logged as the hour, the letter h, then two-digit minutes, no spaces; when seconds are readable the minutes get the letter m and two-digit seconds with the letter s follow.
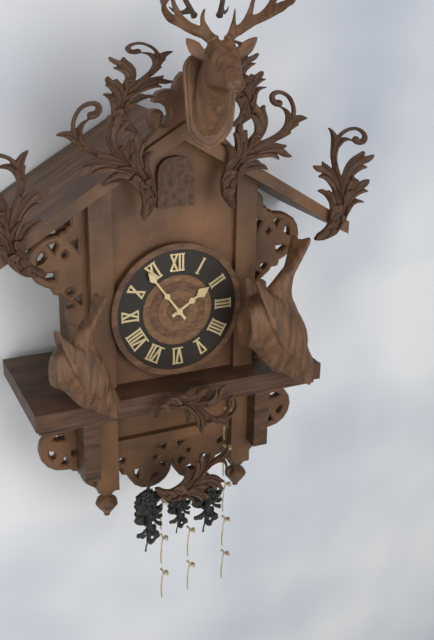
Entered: 1h54
